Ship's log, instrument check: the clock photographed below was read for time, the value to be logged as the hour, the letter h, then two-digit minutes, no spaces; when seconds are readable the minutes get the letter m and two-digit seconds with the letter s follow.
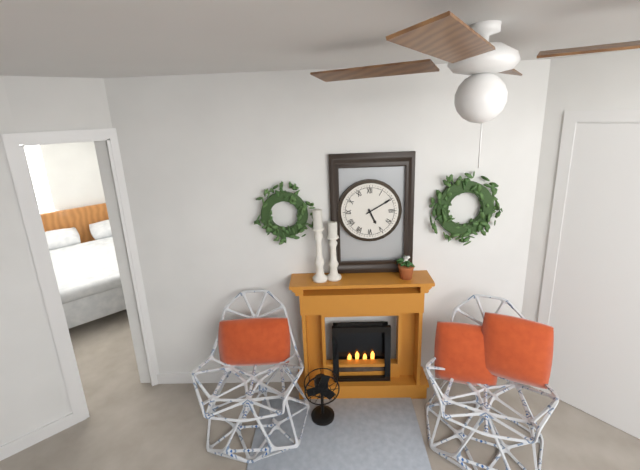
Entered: 5h10
